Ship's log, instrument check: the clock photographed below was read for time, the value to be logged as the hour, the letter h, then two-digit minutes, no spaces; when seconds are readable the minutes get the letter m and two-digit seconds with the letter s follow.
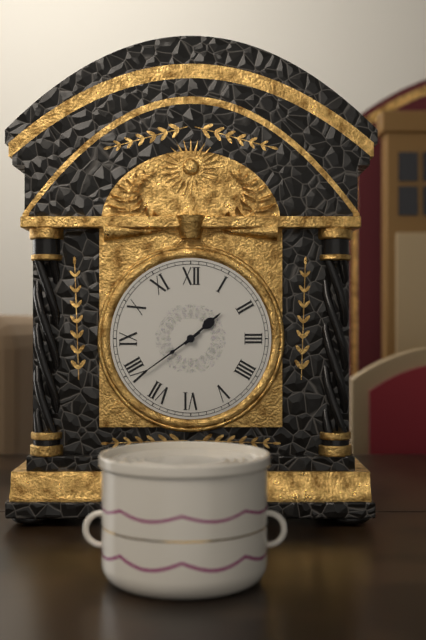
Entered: 1h39
